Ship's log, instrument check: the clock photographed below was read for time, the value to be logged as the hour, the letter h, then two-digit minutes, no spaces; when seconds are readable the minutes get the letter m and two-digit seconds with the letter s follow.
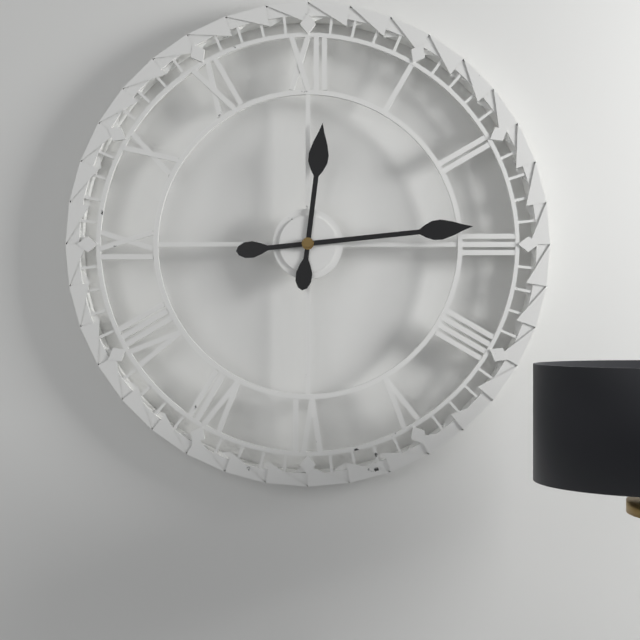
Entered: 12h14
